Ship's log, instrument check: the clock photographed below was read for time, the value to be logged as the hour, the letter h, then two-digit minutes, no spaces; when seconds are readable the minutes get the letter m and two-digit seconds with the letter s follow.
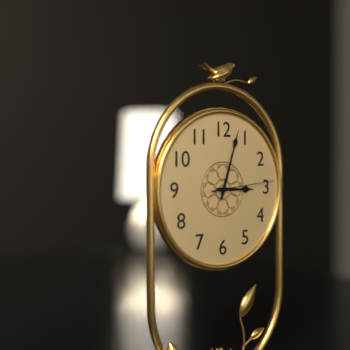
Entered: 3h03m14s
